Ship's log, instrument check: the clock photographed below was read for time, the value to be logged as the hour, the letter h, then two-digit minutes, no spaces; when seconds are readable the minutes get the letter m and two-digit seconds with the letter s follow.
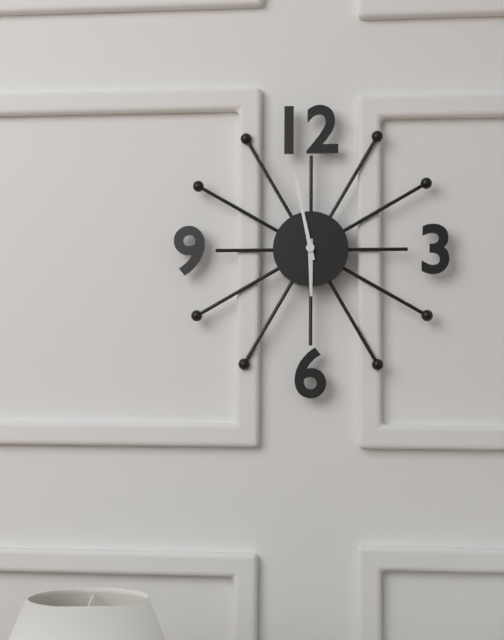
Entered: 5h58
